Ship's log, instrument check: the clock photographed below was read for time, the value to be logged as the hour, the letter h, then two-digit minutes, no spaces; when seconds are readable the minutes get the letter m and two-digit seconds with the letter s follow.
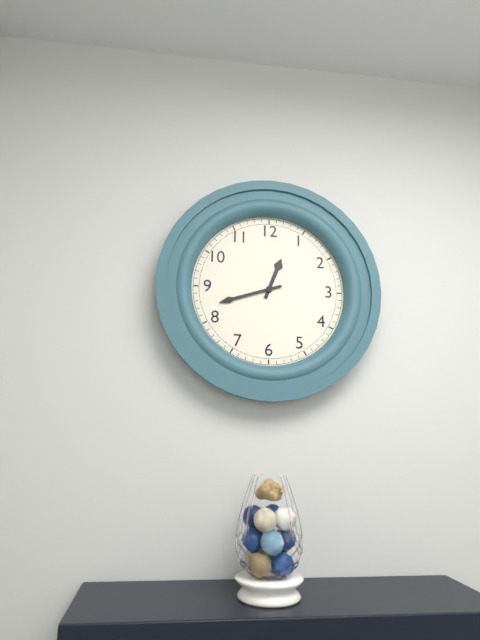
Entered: 12h42
